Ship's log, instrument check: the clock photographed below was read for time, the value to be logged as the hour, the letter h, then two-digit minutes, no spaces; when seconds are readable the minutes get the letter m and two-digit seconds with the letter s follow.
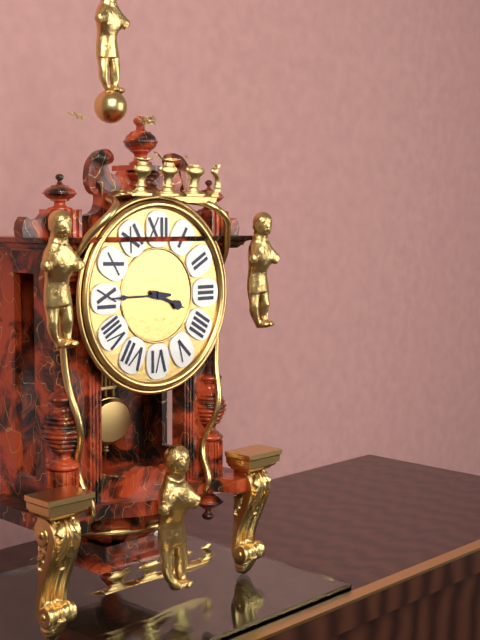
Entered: 3h45
